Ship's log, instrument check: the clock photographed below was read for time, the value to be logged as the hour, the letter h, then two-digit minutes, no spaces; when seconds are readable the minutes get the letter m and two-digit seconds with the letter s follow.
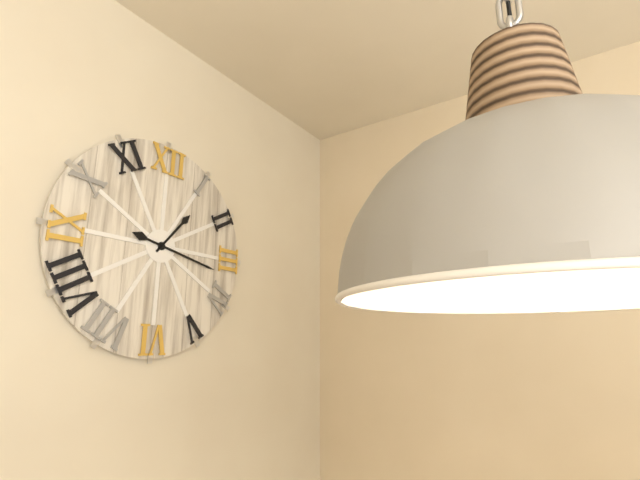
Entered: 1h17
